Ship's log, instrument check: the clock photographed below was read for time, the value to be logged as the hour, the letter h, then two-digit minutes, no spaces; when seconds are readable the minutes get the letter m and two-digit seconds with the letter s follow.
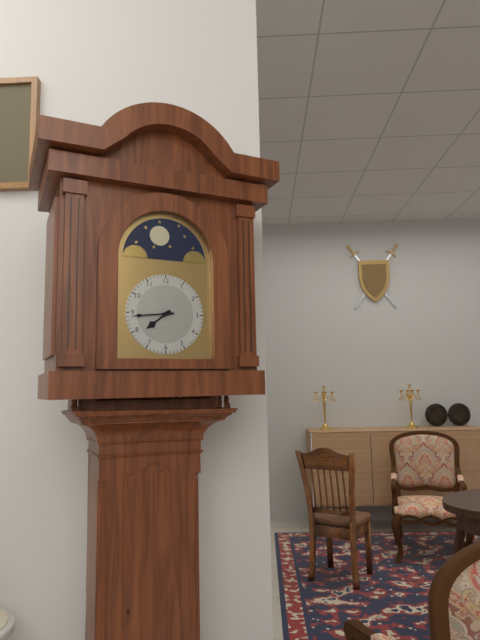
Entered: 7h44
